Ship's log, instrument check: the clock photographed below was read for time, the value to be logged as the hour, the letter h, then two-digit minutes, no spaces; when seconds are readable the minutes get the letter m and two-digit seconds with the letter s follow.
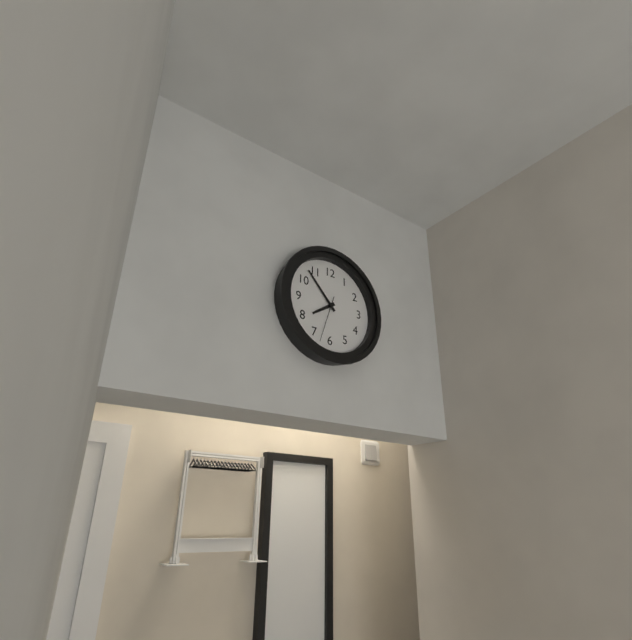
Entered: 7h53
